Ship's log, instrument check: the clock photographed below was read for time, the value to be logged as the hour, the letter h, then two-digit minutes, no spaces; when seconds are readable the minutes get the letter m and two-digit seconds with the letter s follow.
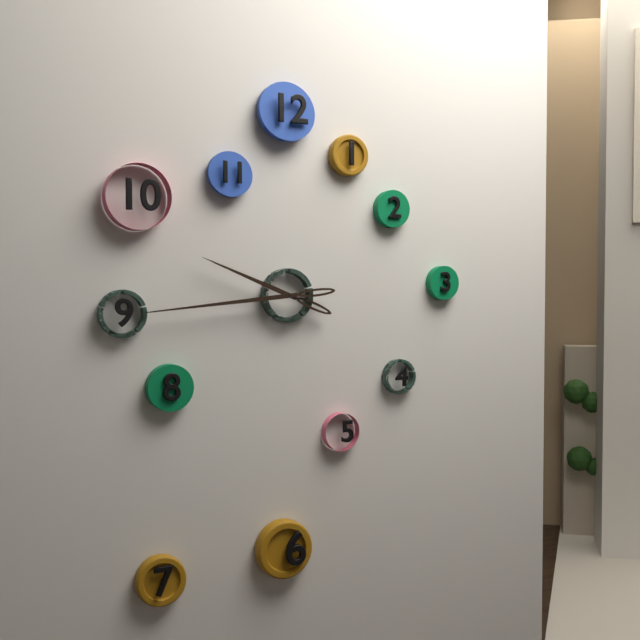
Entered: 9h44
